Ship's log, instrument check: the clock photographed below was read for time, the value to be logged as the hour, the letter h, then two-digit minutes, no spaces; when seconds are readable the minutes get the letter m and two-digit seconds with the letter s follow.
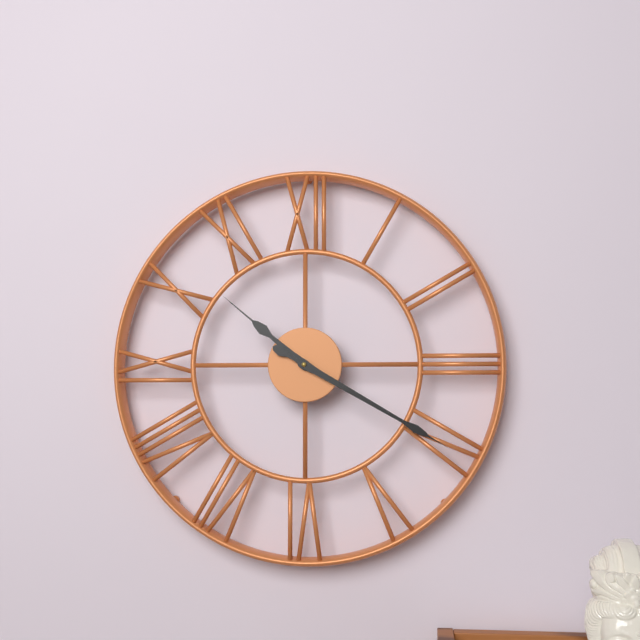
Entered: 10h20
